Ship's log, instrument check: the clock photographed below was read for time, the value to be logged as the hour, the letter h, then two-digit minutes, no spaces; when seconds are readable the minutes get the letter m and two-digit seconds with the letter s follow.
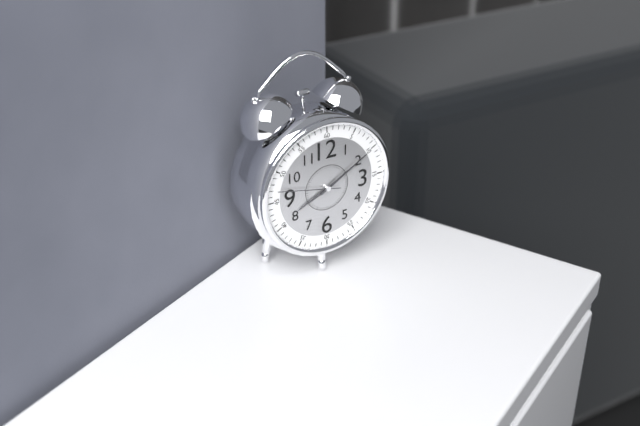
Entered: 8h10m47s
